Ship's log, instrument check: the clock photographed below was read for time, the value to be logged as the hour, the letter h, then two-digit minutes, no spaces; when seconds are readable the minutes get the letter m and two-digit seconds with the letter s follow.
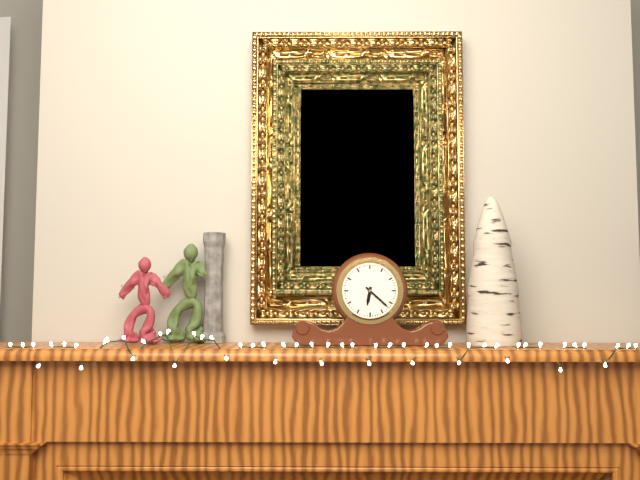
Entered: 6h22
